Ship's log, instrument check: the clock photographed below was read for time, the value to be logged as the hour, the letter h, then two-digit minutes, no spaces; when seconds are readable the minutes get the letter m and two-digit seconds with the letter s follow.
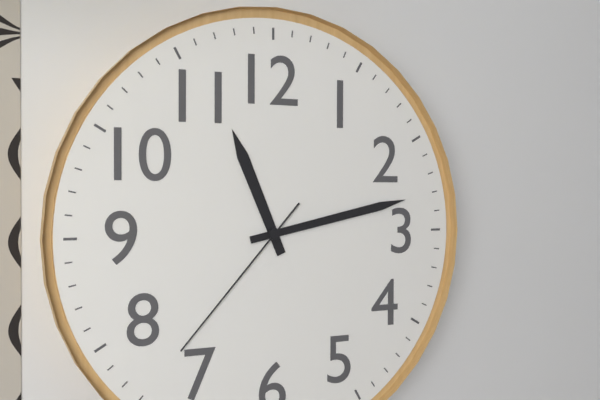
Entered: 11h13m37s
